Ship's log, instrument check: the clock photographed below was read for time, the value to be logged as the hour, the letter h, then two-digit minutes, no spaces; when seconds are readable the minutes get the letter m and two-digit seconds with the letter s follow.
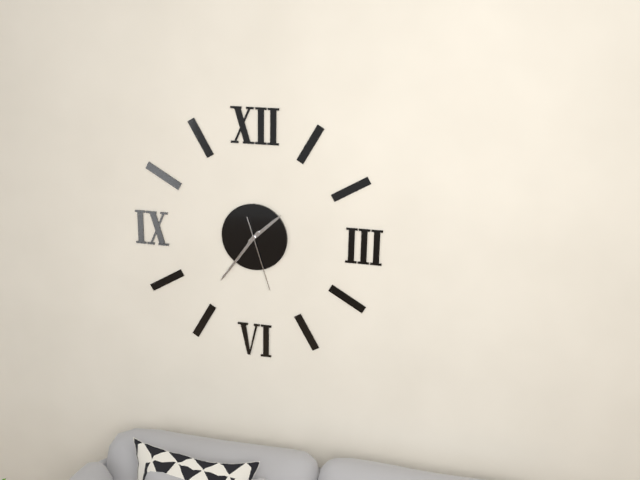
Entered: 1h36m27s
